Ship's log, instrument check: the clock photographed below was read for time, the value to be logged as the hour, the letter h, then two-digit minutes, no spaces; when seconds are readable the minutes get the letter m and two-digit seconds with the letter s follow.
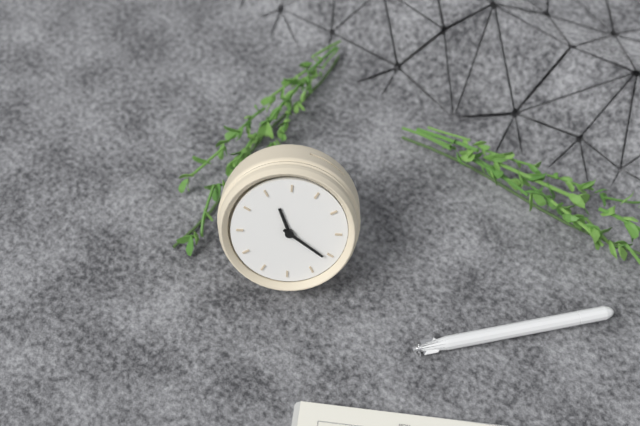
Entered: 10h16
